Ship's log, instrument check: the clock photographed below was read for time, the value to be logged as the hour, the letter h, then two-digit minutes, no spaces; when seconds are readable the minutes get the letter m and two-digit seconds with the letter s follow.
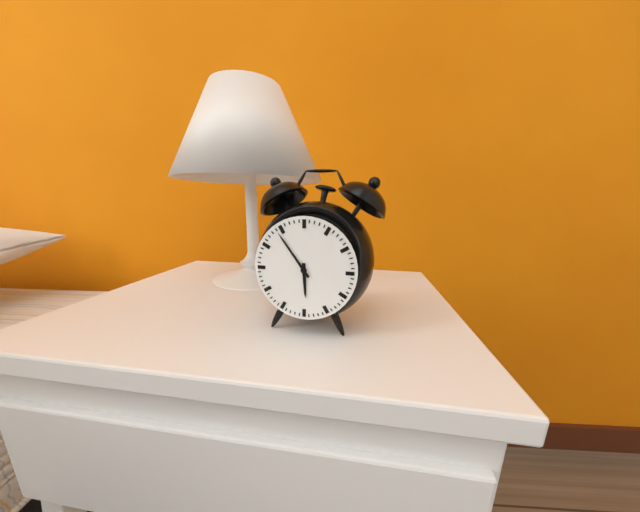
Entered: 5h54
